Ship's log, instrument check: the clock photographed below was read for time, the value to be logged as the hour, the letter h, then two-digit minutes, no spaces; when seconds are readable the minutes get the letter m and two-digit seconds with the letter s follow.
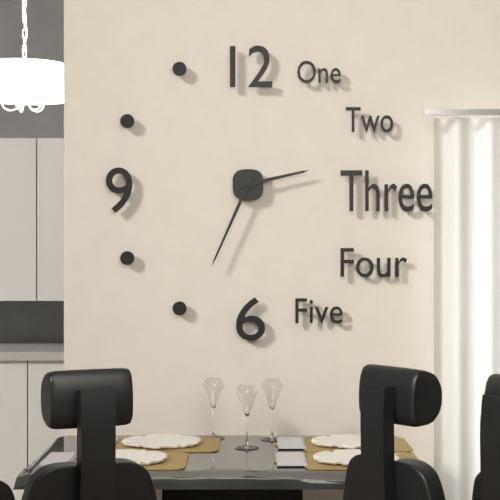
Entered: 2h34
